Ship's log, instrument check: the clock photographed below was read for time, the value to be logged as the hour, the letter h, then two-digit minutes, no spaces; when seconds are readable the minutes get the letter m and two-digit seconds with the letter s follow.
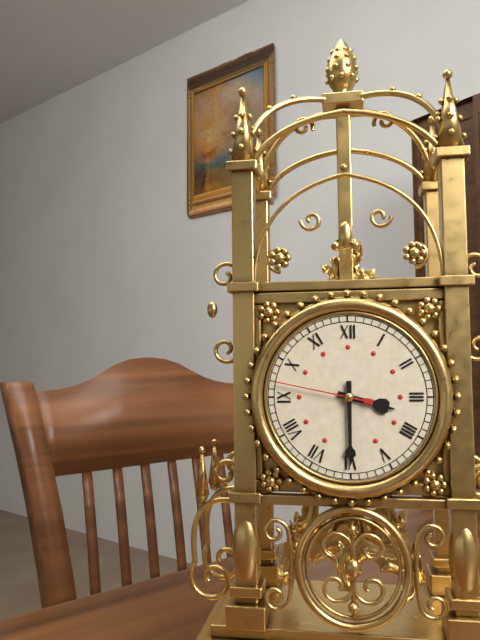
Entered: 3h30m47s
